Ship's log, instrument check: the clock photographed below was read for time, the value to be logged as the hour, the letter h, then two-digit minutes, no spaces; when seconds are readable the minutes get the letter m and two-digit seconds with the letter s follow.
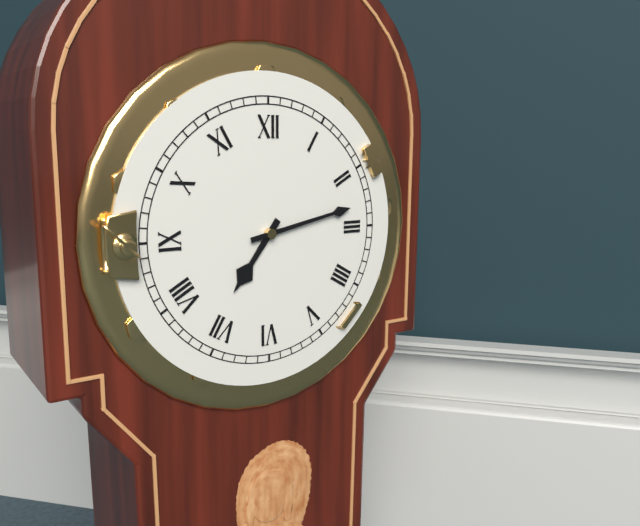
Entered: 7h13
